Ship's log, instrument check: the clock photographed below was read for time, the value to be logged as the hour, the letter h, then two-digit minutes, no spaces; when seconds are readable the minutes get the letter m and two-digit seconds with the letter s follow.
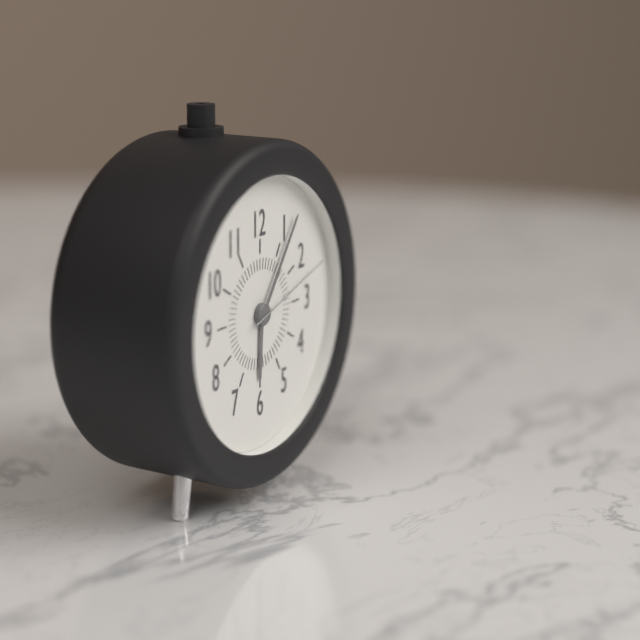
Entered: 6h06m12s
